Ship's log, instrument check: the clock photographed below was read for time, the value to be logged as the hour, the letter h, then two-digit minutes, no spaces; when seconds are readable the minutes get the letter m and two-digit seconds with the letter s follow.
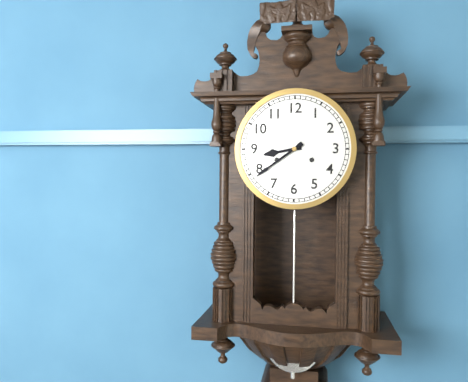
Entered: 8h39
